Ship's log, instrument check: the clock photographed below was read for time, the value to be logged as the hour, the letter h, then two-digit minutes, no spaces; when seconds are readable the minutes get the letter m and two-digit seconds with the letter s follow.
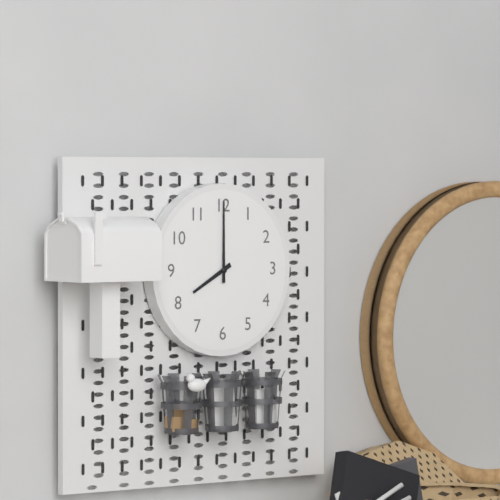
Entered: 8h00
